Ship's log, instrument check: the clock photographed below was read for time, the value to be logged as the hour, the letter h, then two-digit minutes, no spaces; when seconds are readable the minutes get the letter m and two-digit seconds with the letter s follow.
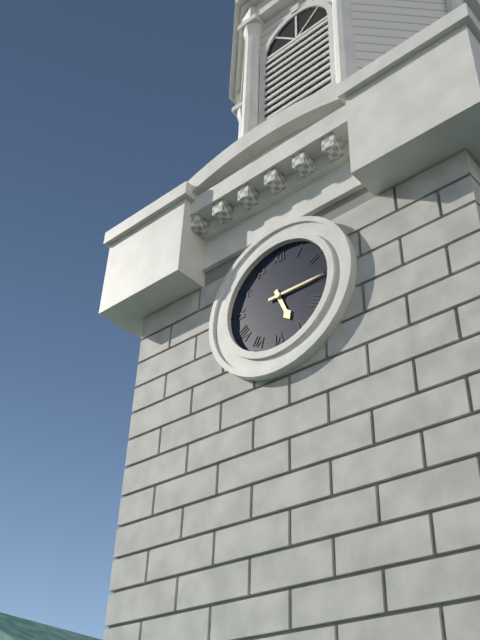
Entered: 5h15
